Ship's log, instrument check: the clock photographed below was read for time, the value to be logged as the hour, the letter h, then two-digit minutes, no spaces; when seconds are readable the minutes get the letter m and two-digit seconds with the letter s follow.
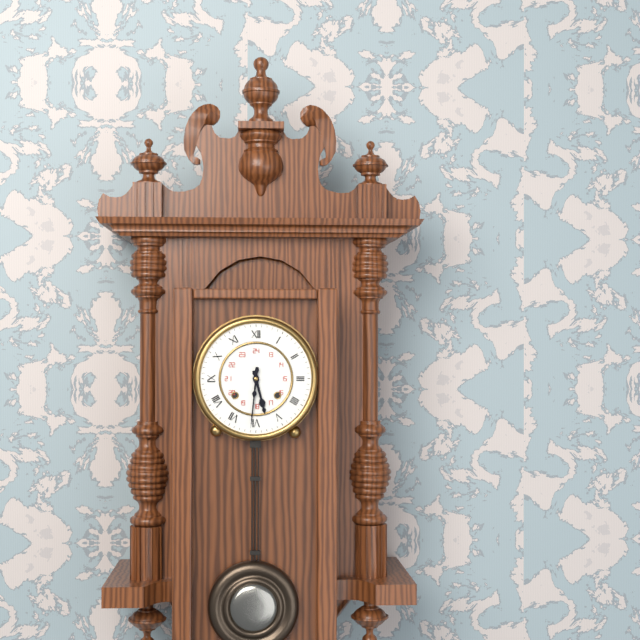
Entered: 5h31
